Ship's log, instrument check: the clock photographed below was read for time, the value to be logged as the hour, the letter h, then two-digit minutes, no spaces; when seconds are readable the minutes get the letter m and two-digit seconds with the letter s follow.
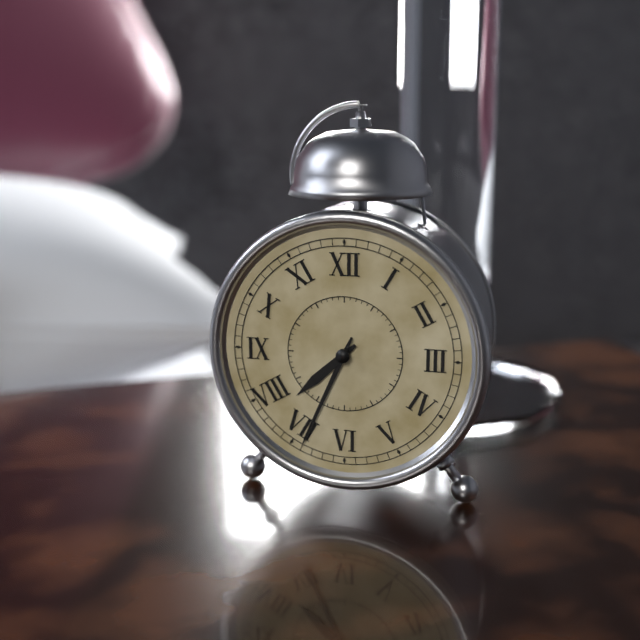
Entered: 7h34
